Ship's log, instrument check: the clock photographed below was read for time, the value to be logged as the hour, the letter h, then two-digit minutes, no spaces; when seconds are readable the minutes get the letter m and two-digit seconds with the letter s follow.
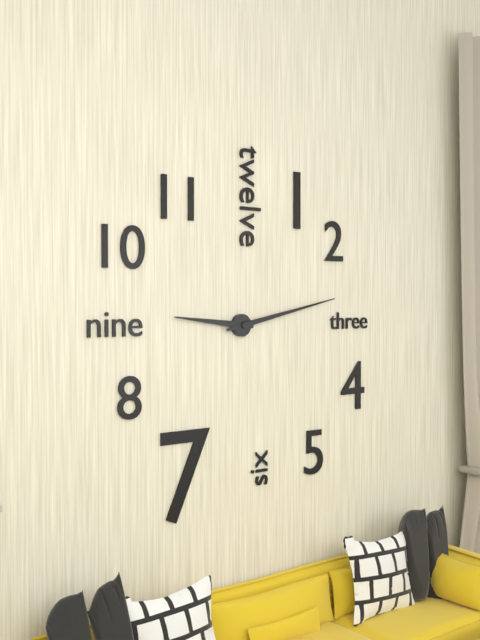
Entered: 9h13
